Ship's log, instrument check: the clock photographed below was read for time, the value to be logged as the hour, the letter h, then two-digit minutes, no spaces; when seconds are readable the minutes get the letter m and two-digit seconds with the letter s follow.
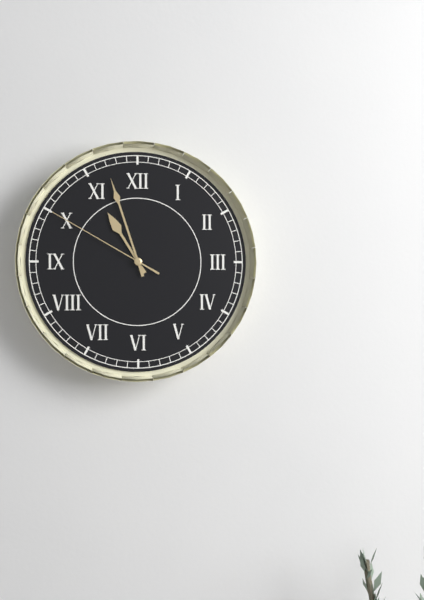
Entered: 10h57m50s
